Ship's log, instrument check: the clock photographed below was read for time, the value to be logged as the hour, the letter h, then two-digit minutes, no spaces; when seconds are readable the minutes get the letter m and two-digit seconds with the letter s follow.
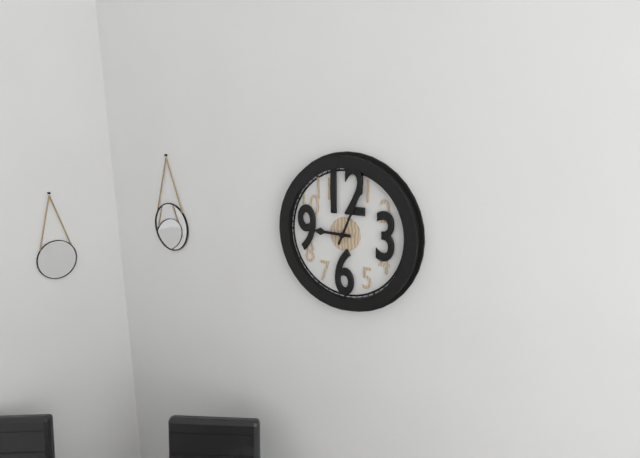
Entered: 9h04
